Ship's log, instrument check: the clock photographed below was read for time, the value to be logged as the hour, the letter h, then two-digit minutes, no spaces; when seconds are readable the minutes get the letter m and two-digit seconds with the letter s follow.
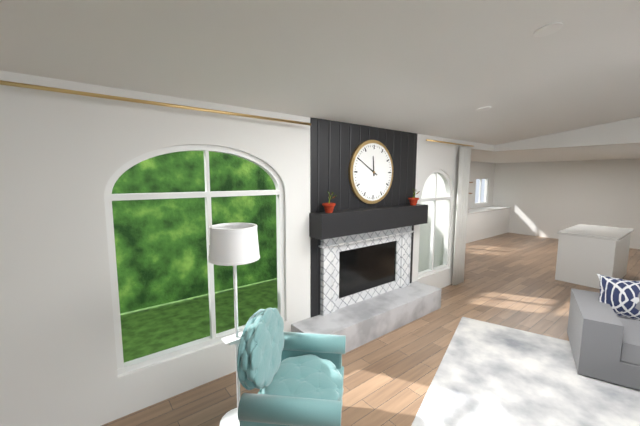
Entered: 11h50
